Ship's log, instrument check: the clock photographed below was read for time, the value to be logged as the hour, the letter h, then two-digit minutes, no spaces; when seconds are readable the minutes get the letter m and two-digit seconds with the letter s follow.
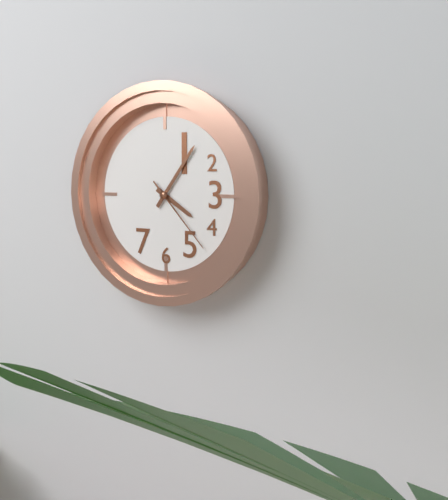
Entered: 4h06m23s
